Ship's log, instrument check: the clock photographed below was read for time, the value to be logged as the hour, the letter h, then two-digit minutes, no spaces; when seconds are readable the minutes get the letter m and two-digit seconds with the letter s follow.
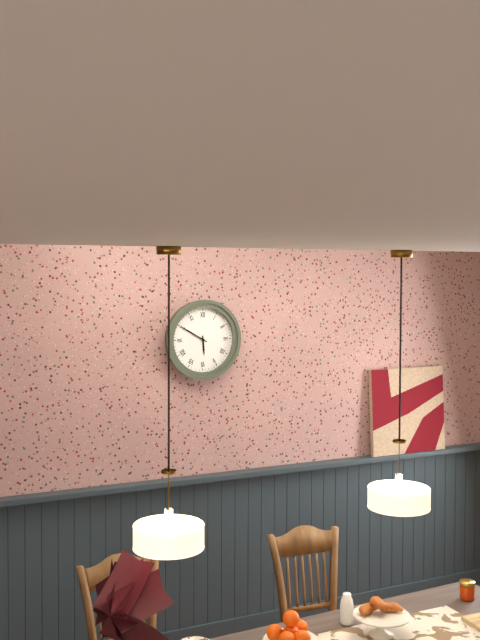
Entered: 5h50
